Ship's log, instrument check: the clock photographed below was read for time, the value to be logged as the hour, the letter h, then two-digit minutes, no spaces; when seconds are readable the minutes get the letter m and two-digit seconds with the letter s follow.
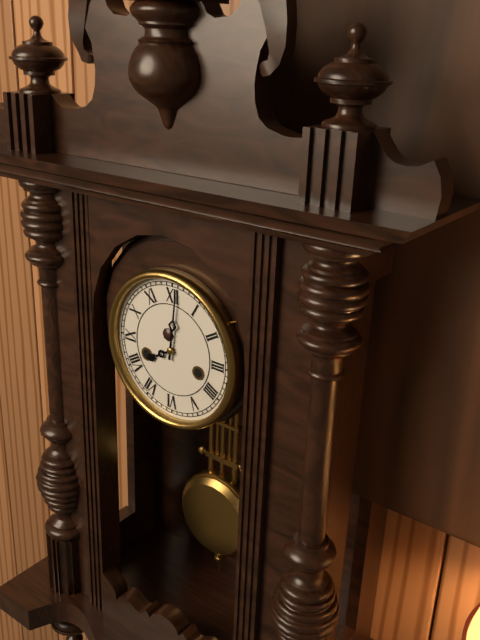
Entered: 8h01
